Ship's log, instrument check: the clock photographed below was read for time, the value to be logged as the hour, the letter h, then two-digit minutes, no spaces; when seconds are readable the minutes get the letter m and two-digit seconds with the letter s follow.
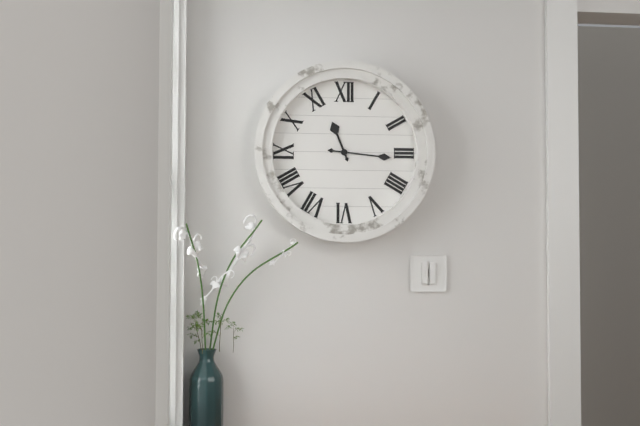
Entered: 11h16
